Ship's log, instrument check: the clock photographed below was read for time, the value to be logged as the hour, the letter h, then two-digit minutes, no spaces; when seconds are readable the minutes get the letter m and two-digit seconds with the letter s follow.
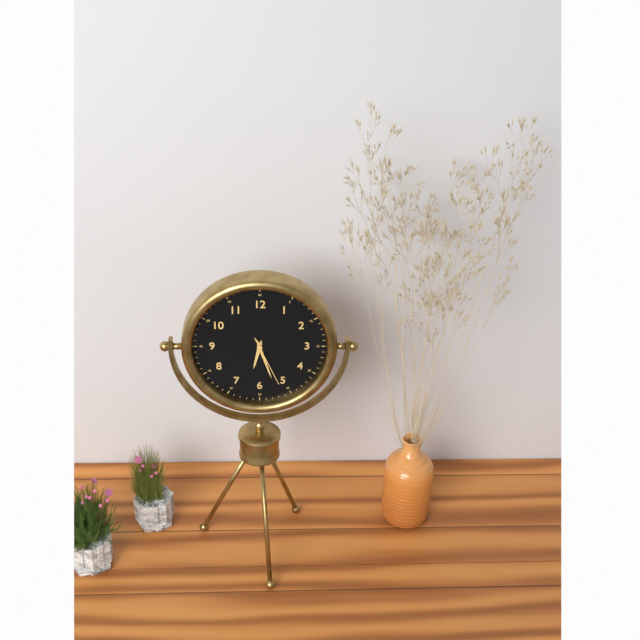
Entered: 6h27m26s
